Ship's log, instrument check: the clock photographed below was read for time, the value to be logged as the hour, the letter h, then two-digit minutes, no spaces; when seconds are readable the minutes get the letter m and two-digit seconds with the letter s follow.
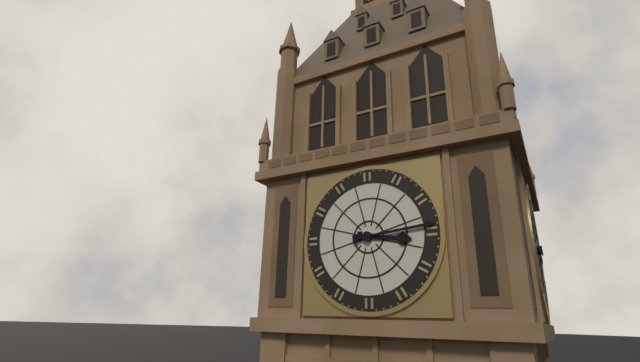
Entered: 3h14
